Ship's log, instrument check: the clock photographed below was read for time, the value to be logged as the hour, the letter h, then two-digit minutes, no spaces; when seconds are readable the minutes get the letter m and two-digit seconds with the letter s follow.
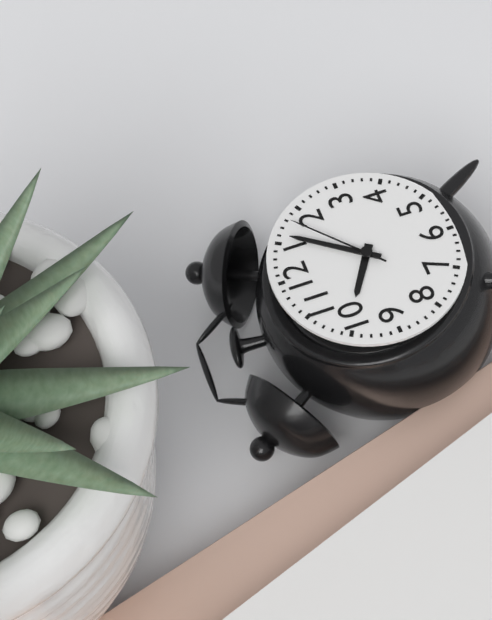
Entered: 10h06m08s
